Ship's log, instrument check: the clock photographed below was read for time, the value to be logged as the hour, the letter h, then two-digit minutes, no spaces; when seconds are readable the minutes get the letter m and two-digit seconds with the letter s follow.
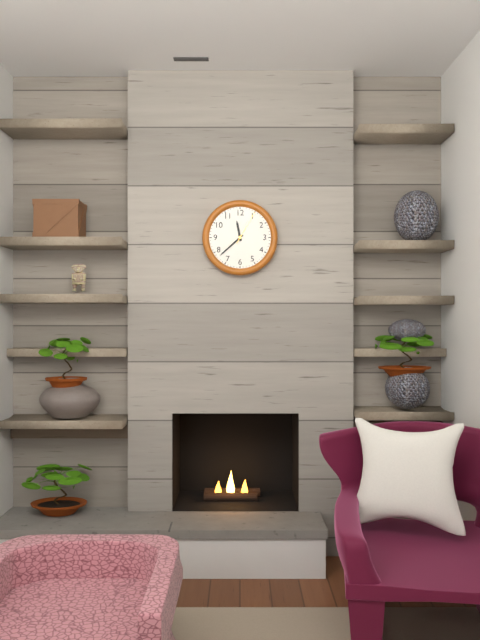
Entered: 11h38
